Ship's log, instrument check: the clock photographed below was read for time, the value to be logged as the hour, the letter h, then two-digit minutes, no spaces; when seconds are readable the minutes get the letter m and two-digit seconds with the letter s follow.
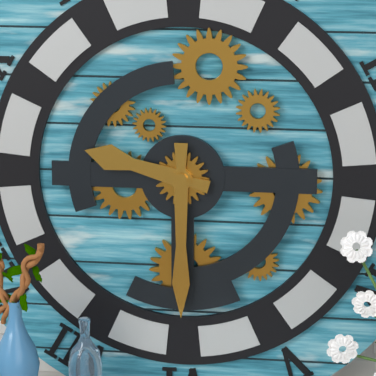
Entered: 9h30
